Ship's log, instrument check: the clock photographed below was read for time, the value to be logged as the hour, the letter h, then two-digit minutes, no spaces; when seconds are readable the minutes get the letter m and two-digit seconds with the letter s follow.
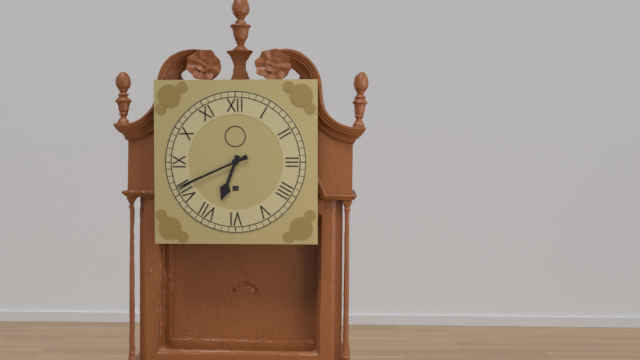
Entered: 6h41
